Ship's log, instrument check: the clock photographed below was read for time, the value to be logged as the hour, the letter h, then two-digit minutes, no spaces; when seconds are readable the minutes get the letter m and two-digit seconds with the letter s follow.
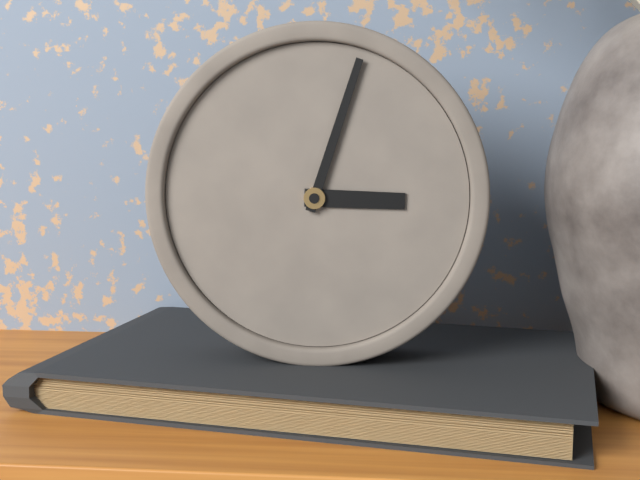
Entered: 3h03
